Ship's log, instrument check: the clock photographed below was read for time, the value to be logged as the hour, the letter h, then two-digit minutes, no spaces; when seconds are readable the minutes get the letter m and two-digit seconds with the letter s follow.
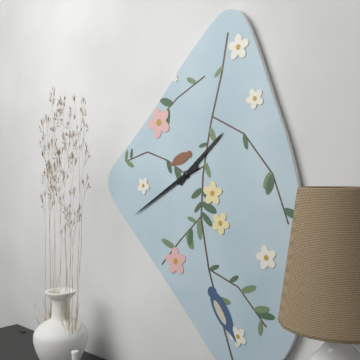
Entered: 1h40
